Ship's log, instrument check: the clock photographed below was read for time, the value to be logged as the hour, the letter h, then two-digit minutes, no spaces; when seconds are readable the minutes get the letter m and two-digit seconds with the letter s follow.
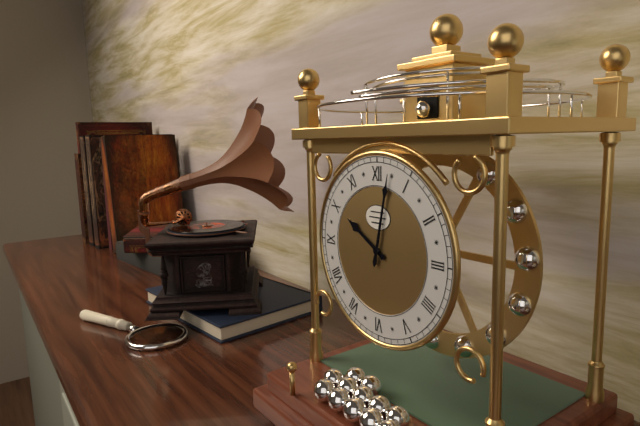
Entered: 10h02
